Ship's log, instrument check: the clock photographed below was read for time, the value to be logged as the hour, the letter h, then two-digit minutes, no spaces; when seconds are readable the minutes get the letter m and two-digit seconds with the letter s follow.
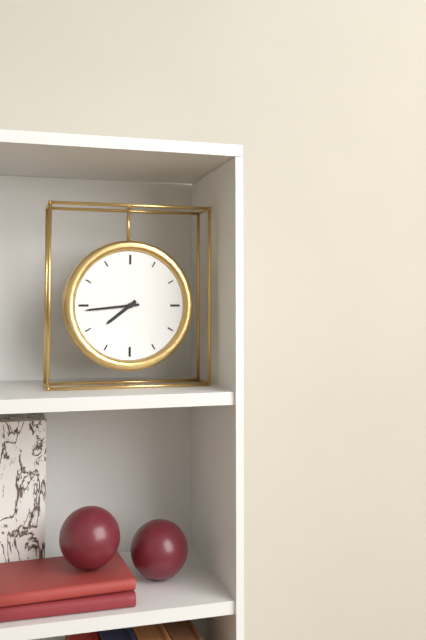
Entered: 7h44
